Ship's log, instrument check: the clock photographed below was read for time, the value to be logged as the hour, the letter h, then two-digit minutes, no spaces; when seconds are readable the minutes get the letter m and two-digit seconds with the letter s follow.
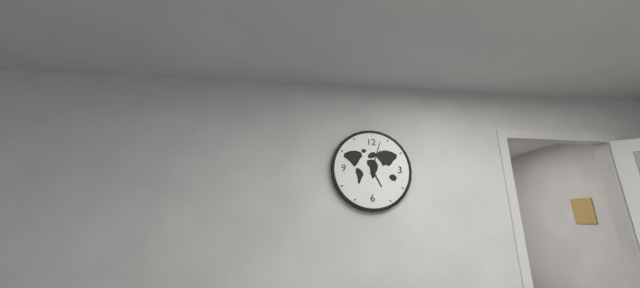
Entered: 5h03
